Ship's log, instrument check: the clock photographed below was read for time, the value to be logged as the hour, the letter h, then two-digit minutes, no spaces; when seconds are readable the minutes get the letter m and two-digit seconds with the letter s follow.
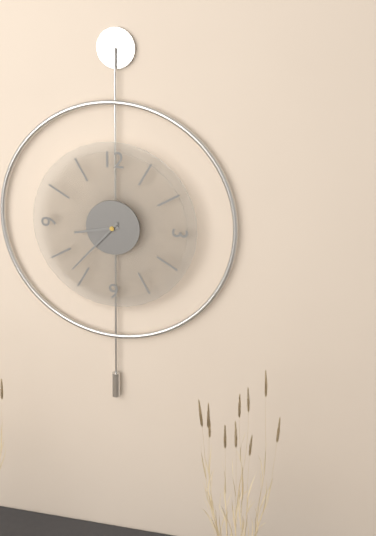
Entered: 8h37
